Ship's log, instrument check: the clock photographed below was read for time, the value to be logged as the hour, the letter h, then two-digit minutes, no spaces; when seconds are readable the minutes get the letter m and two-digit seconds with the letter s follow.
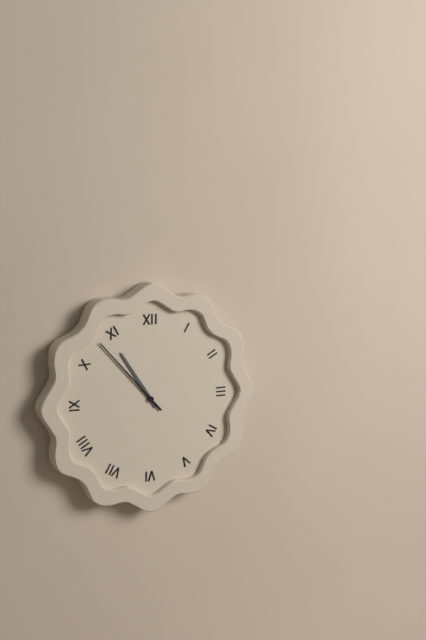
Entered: 10h53
